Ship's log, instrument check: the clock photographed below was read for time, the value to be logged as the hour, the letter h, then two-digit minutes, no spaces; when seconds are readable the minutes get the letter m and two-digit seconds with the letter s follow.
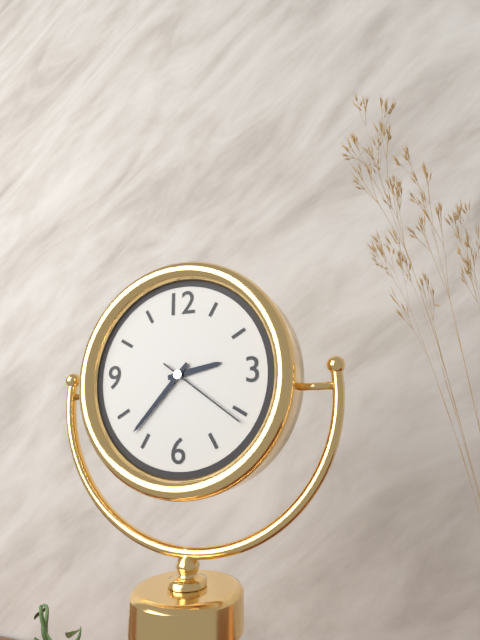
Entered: 2h37m21s
